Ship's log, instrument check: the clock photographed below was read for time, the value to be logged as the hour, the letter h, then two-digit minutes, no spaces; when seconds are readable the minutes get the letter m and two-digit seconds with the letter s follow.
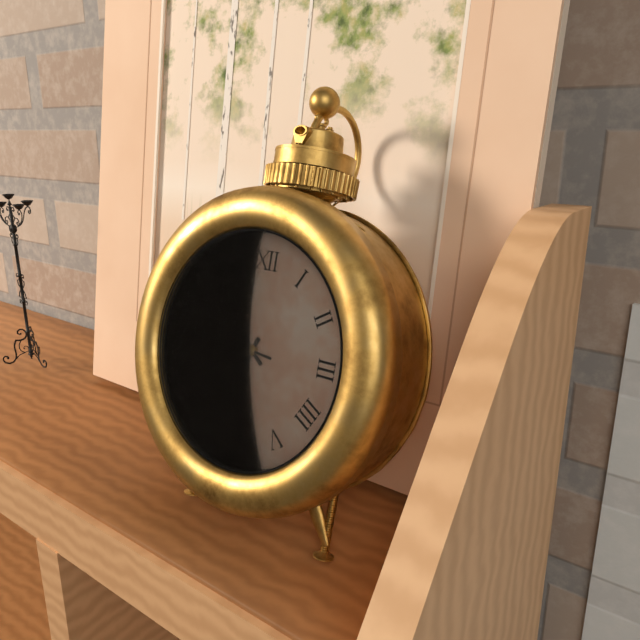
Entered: 6h51m46s
